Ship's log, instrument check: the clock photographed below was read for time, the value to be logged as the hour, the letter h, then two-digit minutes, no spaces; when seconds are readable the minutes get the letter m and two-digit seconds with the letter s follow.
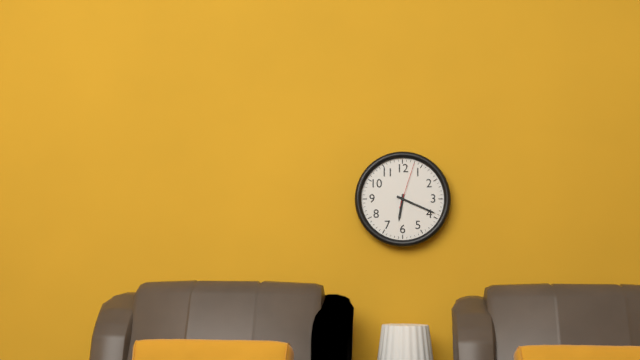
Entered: 6h19
